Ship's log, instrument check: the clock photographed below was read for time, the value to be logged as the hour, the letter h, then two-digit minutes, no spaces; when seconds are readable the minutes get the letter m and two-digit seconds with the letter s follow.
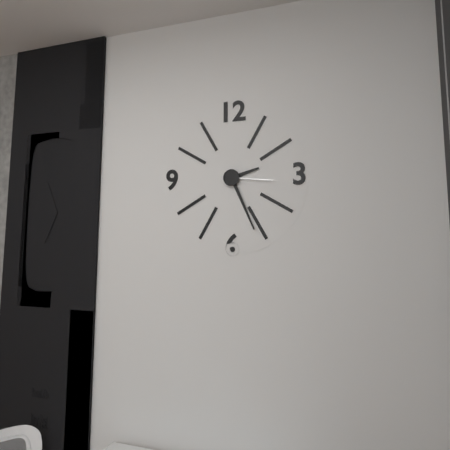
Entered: 2h26m16s
